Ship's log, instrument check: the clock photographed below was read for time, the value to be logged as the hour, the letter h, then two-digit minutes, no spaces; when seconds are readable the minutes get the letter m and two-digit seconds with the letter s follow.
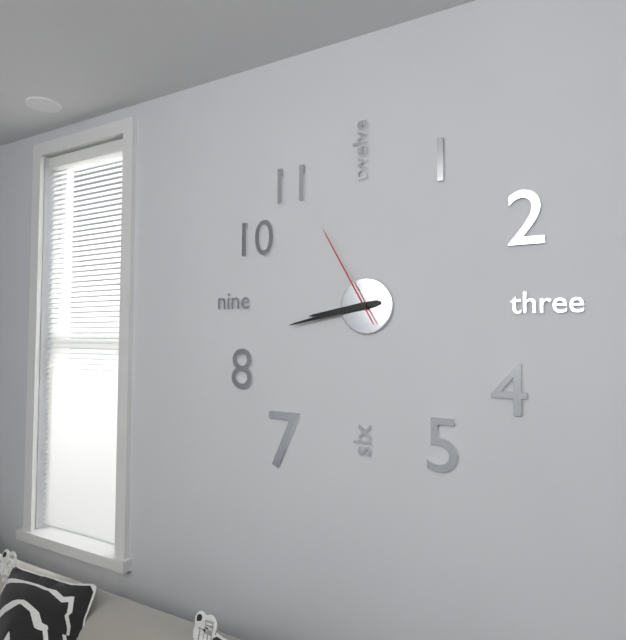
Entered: 8h43m55s
